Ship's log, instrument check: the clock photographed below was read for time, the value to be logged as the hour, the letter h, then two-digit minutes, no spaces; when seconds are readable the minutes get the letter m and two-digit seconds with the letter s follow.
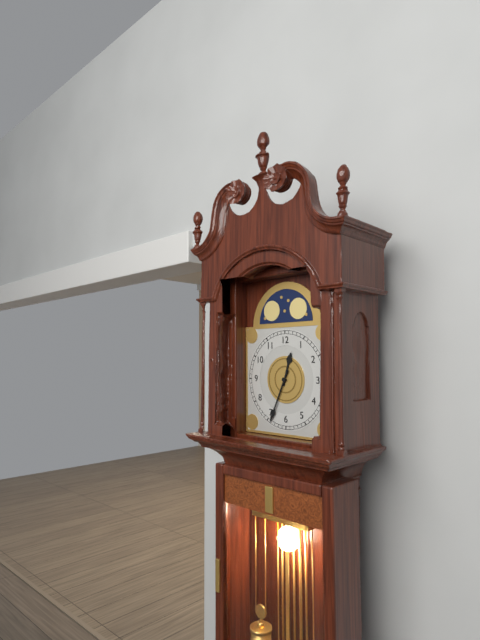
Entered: 12h34
